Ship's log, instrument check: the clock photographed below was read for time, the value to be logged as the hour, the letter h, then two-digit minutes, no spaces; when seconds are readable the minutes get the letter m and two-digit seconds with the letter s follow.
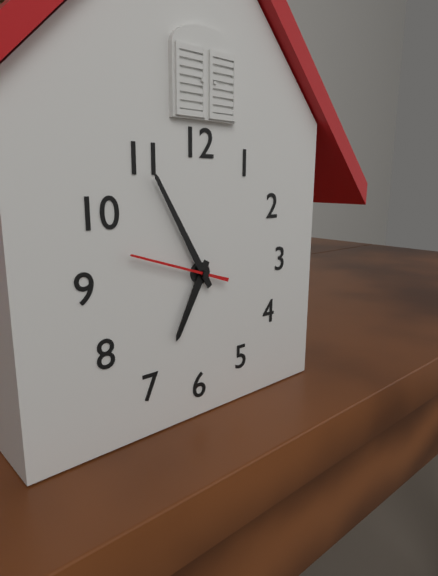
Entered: 6h55m48s
